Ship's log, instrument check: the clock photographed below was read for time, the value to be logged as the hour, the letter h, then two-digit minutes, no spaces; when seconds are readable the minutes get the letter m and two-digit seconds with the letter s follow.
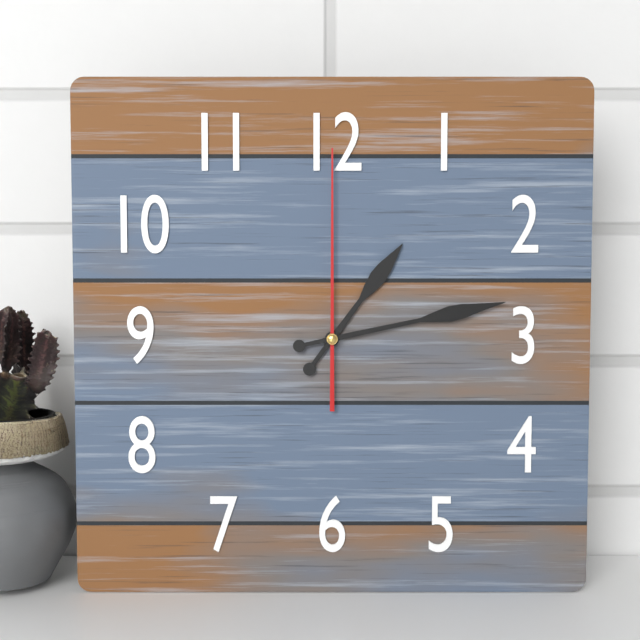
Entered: 1h13m00s
